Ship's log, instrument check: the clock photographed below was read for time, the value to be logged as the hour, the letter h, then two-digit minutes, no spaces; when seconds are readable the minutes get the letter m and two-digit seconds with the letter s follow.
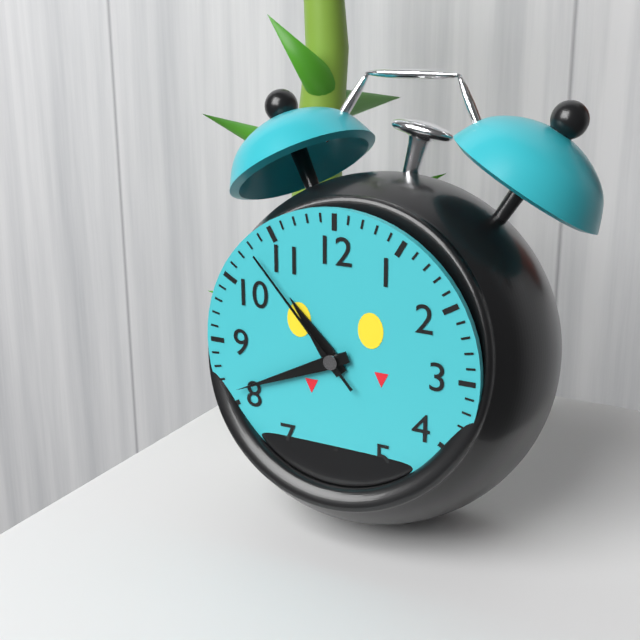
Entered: 10h41m53s
